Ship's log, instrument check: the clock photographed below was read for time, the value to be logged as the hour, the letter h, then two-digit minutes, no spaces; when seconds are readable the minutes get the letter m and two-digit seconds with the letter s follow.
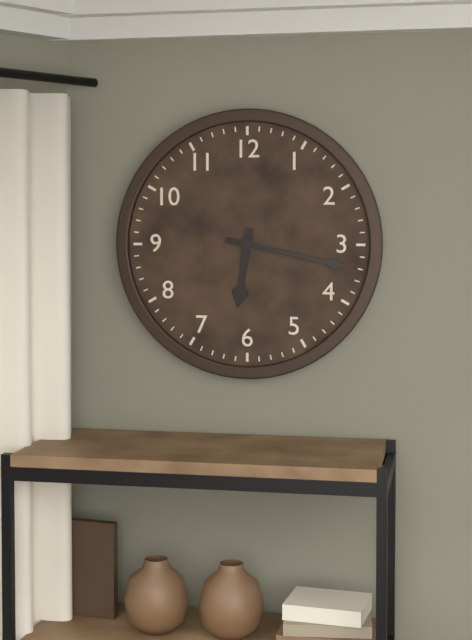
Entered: 6h17
